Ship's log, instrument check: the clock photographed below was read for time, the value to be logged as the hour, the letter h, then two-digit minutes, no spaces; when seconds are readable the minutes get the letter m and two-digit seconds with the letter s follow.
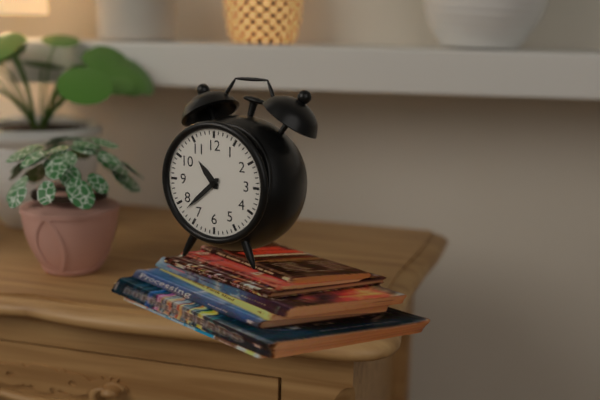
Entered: 10h38
